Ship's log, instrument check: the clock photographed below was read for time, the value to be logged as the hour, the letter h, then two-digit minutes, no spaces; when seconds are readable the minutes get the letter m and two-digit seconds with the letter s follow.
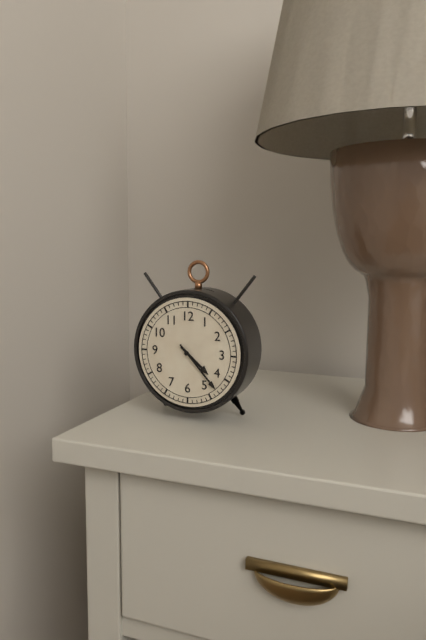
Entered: 4h23
